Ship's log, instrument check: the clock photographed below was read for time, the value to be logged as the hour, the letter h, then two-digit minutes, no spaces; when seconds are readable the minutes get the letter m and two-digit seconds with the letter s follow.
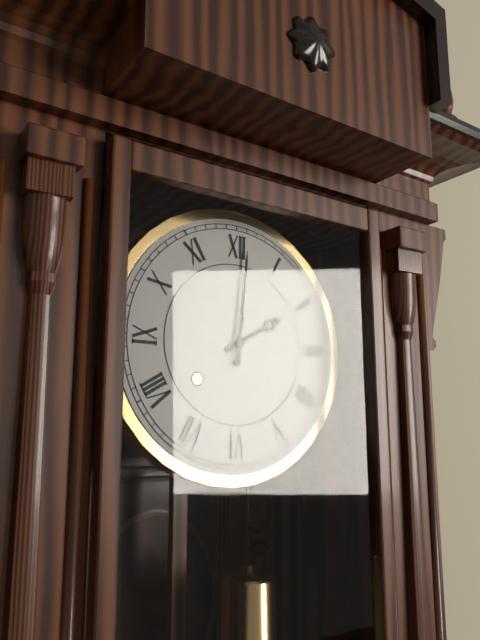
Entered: 2h01
